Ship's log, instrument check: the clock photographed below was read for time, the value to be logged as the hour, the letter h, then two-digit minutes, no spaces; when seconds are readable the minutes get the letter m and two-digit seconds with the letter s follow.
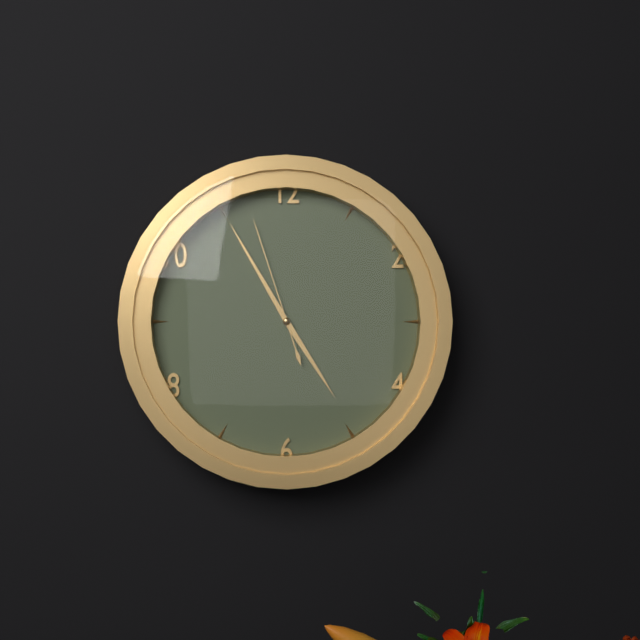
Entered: 4h55m57s
